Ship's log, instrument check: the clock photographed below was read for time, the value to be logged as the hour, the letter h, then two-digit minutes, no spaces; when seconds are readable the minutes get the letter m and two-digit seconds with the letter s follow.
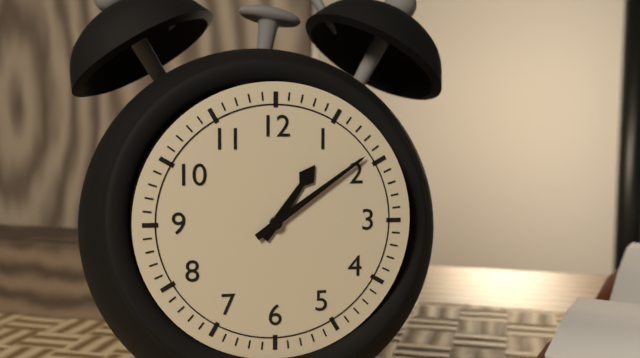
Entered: 1h09
